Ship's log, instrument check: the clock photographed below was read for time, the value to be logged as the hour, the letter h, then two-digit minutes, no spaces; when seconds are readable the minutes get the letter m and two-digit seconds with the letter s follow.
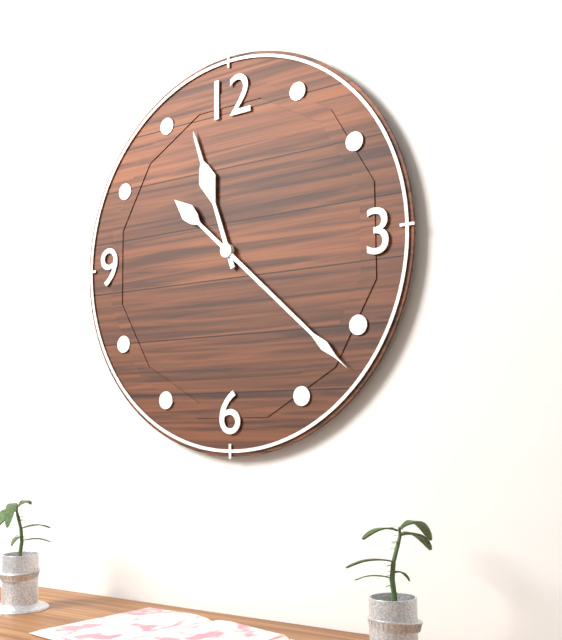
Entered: 11h22
